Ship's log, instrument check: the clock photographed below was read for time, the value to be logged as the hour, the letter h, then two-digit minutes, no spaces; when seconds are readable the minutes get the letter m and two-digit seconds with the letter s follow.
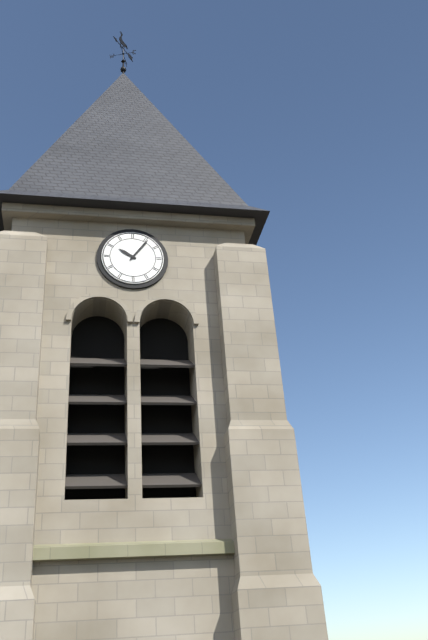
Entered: 10h06
